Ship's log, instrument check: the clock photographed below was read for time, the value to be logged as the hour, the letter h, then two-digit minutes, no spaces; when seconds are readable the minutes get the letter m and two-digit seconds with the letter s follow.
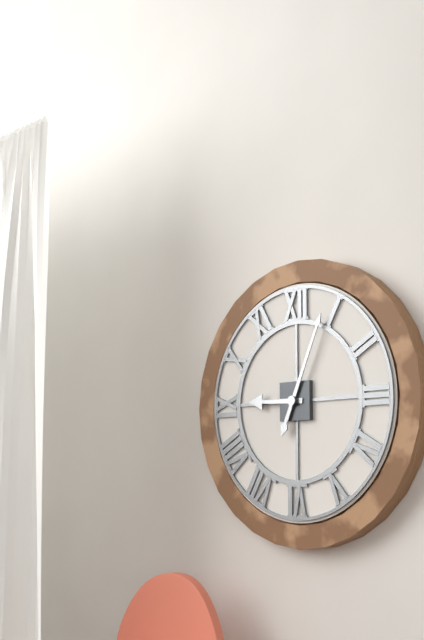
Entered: 9h04
